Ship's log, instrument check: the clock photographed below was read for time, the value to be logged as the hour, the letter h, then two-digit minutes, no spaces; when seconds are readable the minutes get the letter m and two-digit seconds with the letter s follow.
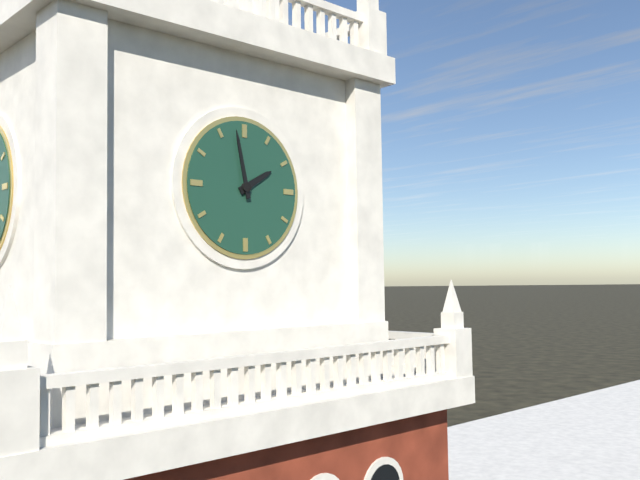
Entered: 1h58
